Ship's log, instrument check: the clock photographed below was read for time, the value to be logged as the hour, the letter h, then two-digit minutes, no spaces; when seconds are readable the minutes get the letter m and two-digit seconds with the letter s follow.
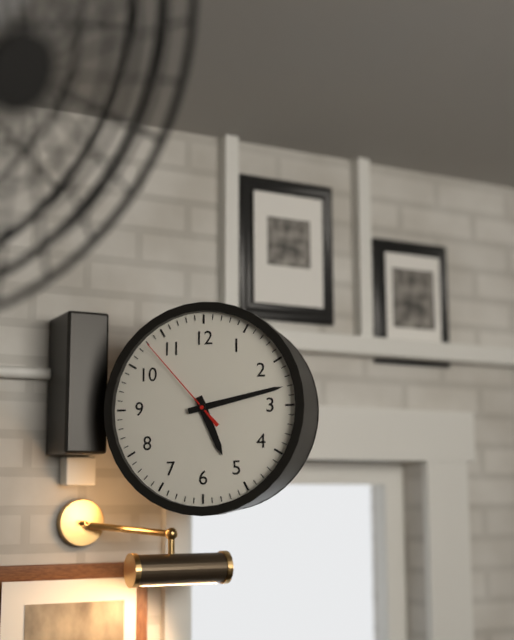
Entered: 5h13m53s
